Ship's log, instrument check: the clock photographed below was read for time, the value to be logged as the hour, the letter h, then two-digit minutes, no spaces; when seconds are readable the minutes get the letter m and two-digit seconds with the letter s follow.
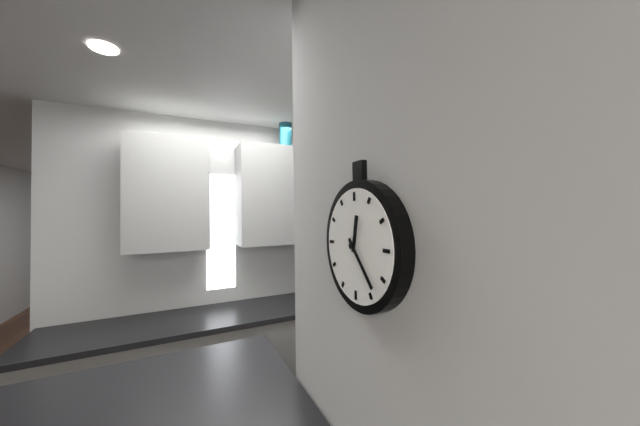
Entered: 12h23
